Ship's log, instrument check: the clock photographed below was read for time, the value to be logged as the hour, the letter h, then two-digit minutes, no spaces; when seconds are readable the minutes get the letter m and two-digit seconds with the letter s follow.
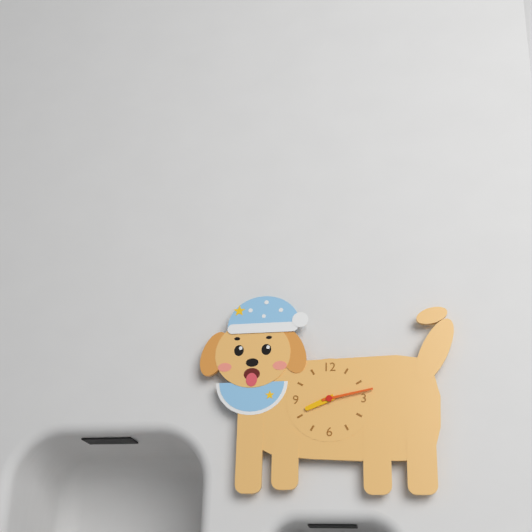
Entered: 8h13
